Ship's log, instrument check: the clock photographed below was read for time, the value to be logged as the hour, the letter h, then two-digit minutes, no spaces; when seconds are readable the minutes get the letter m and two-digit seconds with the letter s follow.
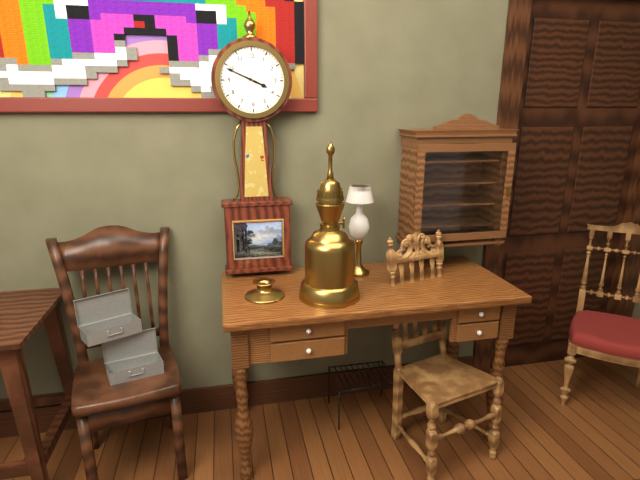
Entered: 3h49
